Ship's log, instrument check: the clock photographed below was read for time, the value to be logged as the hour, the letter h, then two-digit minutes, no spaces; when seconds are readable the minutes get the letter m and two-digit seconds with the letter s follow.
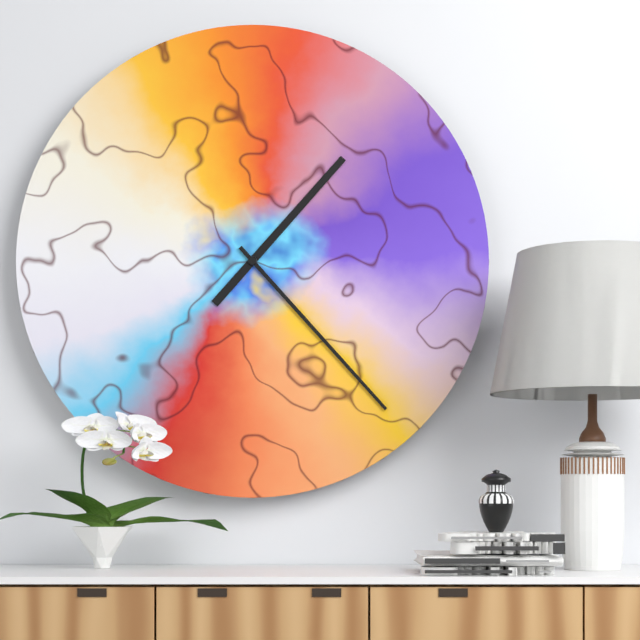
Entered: 1h23
